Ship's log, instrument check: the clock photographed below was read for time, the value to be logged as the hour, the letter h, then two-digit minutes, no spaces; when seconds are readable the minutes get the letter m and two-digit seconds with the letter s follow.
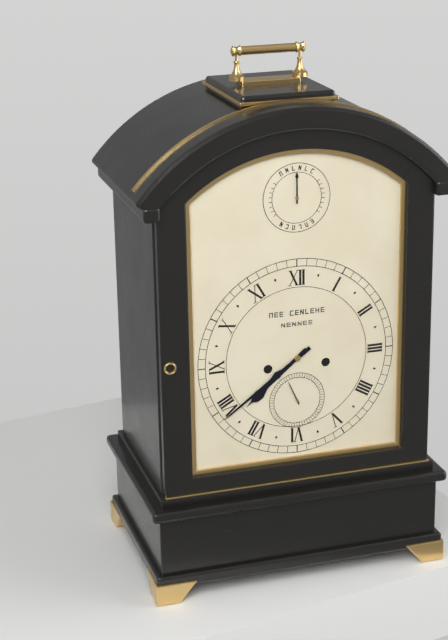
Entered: 7h39
